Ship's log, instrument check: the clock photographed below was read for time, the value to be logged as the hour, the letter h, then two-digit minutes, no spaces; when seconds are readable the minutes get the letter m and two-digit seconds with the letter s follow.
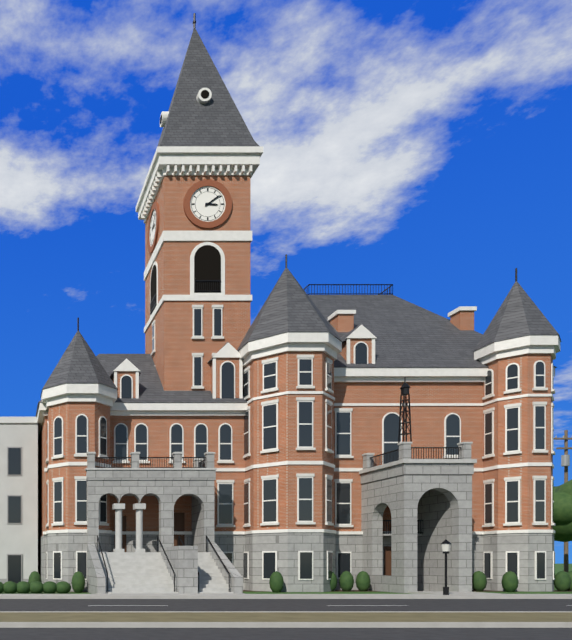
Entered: 3h09
